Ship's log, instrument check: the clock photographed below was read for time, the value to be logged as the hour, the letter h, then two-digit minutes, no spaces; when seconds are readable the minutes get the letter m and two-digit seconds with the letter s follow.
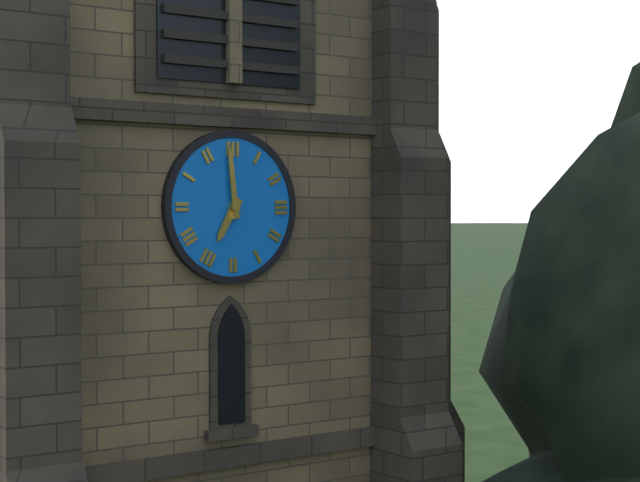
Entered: 6h59
